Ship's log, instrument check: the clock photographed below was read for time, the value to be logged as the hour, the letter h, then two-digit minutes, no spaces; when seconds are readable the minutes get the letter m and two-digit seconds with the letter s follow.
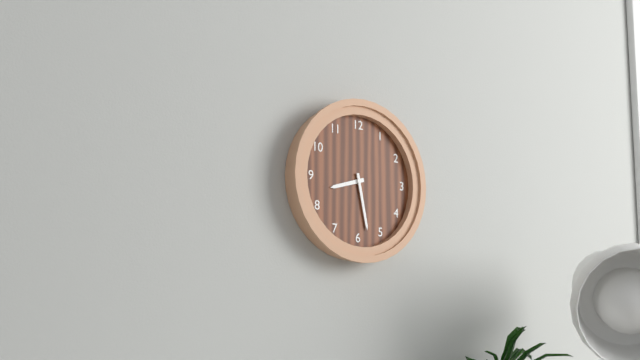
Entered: 8h28
